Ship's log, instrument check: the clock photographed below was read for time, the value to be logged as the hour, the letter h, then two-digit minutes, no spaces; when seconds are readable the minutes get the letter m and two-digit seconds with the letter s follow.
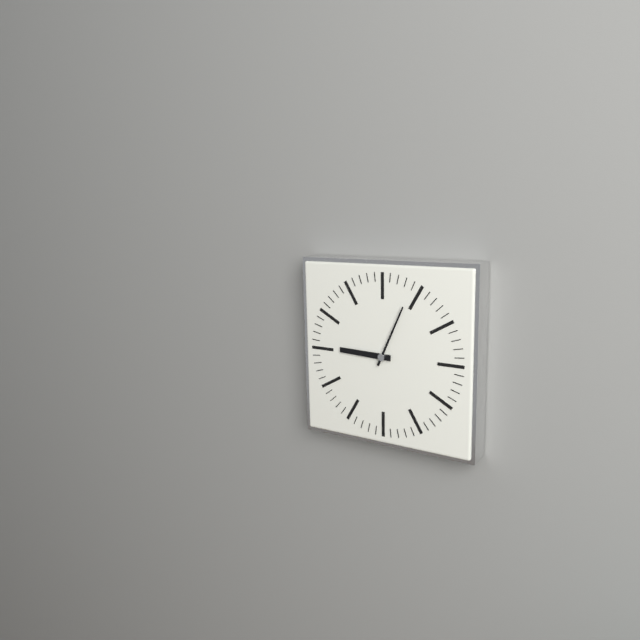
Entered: 9h04
